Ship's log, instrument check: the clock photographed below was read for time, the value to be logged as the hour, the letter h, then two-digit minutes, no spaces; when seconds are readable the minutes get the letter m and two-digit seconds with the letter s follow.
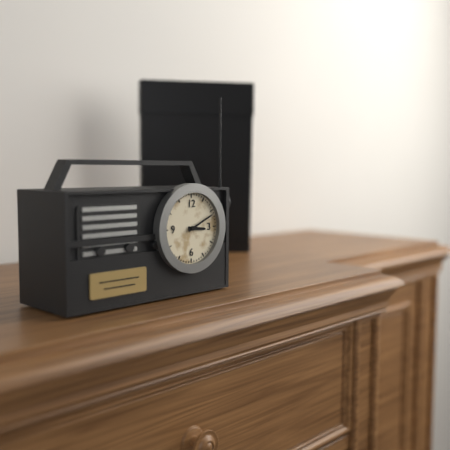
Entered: 3h11
